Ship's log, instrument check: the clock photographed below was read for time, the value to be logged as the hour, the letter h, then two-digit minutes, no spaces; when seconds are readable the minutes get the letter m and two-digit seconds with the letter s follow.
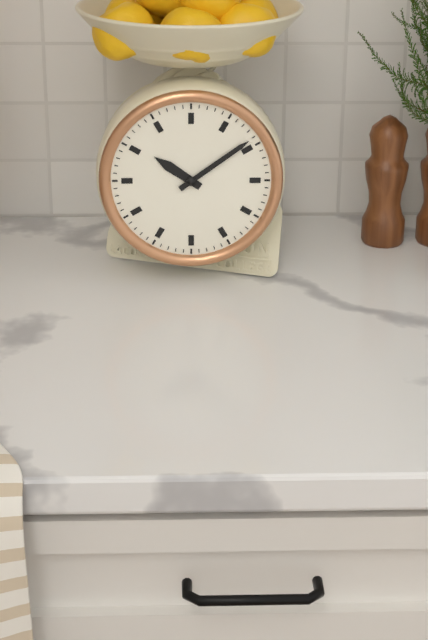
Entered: 10h09
